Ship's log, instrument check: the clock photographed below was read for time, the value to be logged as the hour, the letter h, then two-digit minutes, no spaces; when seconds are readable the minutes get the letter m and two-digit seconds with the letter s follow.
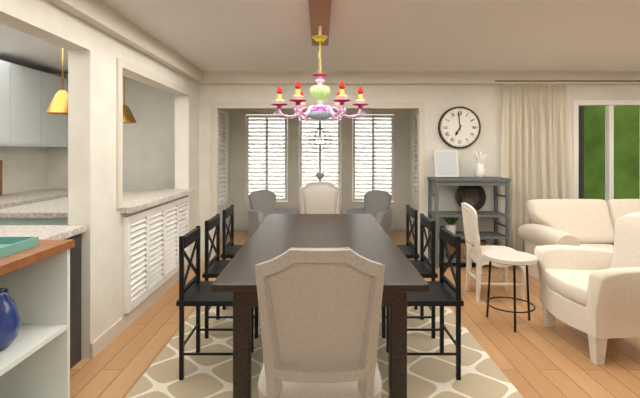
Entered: 6h59
